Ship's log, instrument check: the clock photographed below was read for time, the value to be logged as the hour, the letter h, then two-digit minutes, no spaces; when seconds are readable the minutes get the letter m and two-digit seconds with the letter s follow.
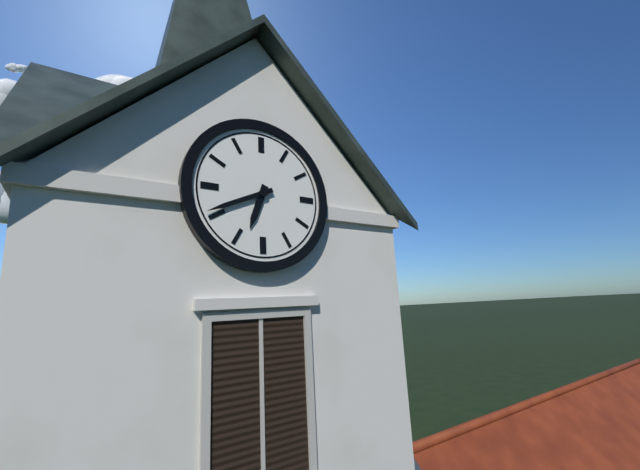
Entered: 6h41
